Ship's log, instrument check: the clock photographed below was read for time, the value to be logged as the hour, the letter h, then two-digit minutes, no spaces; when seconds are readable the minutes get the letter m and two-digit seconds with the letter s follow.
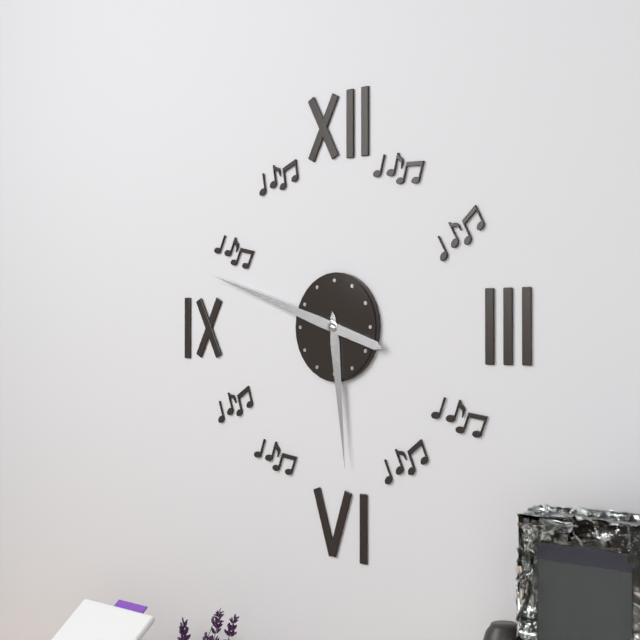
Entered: 5h48
